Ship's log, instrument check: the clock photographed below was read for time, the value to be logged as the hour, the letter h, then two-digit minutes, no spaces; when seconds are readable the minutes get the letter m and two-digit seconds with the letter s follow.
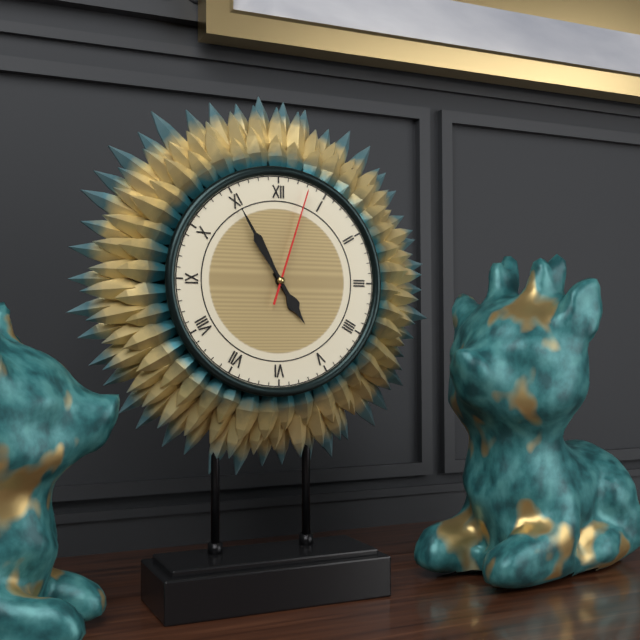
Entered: 4h55m03s
